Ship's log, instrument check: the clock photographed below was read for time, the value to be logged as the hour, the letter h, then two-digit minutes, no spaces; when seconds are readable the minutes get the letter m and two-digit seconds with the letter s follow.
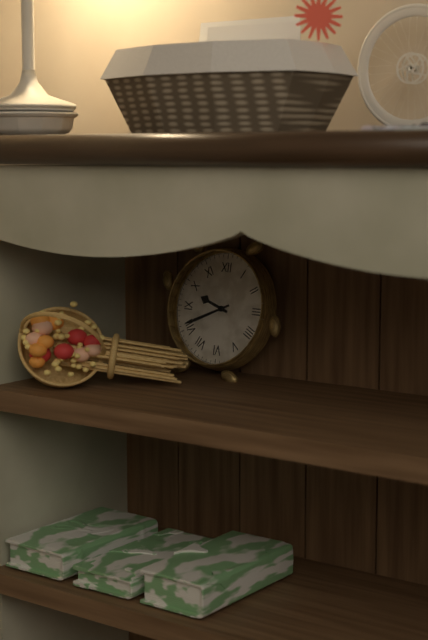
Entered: 9h41
